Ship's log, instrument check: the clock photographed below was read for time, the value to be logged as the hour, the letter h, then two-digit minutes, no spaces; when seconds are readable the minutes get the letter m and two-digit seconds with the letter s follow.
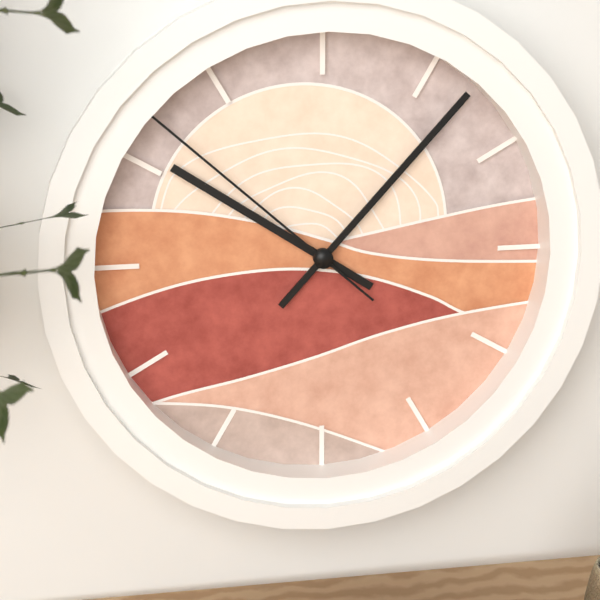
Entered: 10h07m52s
